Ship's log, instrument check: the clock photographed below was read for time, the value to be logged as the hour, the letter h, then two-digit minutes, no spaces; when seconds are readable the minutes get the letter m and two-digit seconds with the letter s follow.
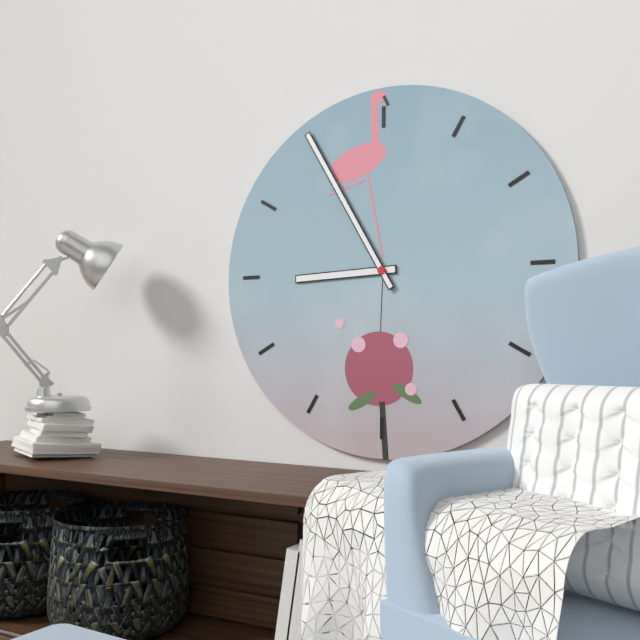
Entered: 8h55
